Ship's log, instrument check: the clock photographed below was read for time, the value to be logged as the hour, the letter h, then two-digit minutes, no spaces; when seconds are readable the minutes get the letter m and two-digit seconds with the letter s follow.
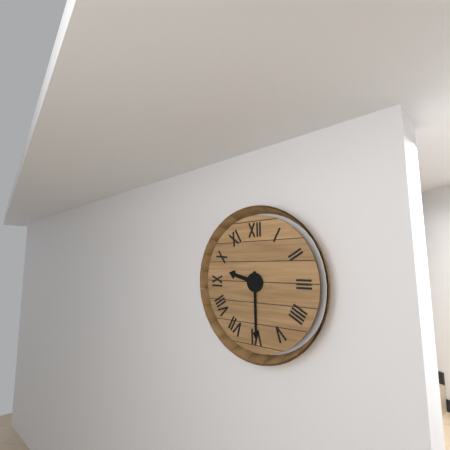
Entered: 9h30
